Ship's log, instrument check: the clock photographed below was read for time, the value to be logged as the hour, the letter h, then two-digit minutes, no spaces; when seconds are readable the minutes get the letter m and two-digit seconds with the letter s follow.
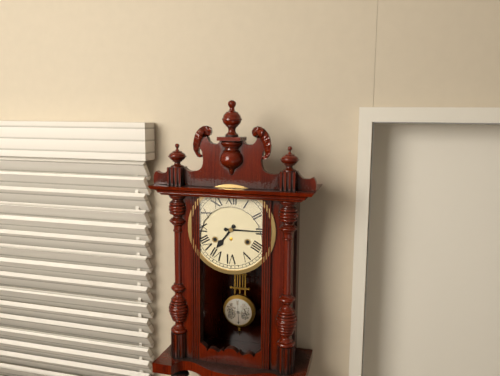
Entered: 7h15
